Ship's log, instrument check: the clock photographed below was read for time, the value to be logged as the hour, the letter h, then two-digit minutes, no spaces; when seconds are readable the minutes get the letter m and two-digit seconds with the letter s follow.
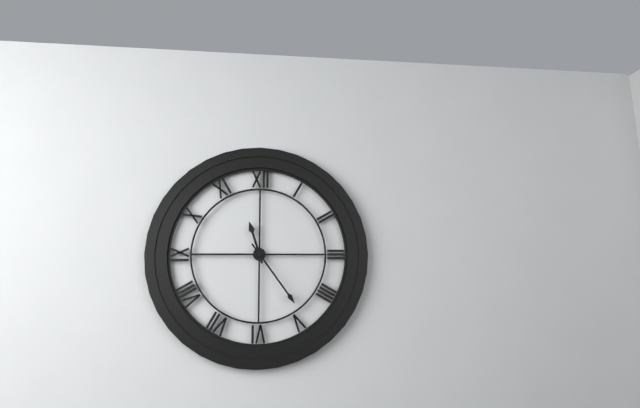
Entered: 11h24
